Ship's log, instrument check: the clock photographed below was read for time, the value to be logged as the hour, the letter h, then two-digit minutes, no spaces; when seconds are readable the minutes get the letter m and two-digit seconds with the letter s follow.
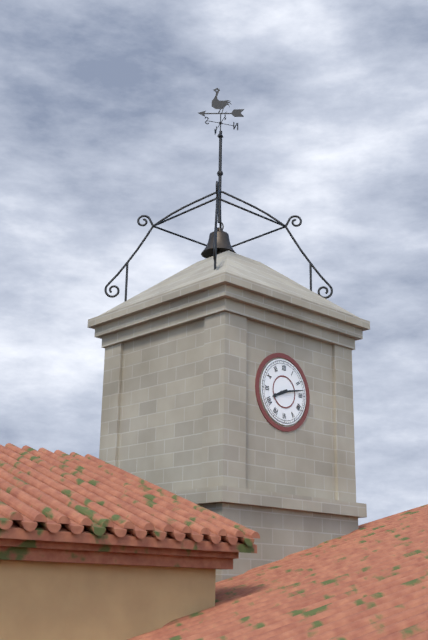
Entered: 8h13
